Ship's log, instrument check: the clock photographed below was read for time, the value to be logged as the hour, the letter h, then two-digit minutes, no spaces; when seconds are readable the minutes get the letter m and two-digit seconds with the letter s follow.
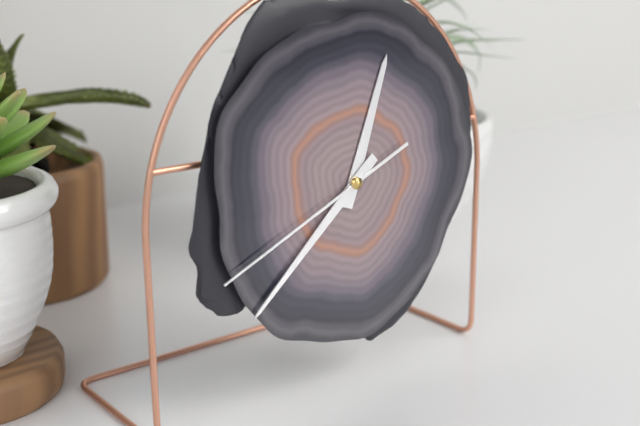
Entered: 12h38m41s
